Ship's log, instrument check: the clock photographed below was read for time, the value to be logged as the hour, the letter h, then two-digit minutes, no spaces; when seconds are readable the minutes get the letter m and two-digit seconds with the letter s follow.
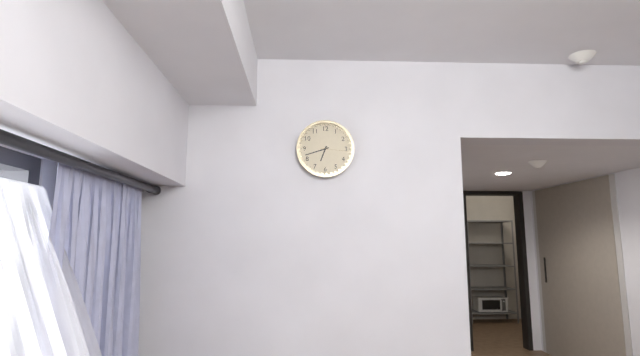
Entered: 6h42
